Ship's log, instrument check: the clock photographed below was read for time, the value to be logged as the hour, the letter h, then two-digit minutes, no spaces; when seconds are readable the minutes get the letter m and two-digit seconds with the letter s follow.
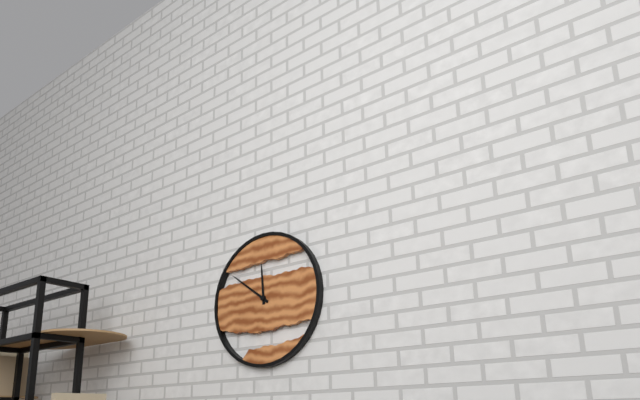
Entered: 11h51
